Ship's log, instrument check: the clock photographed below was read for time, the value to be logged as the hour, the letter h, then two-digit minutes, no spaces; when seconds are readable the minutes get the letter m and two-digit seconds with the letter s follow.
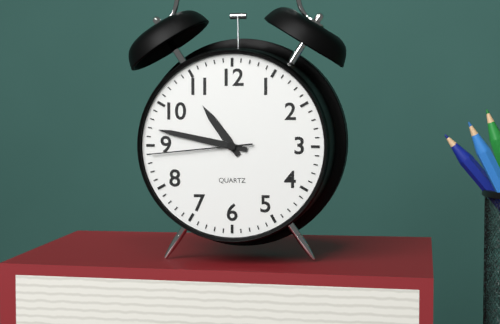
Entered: 10h47m44s
